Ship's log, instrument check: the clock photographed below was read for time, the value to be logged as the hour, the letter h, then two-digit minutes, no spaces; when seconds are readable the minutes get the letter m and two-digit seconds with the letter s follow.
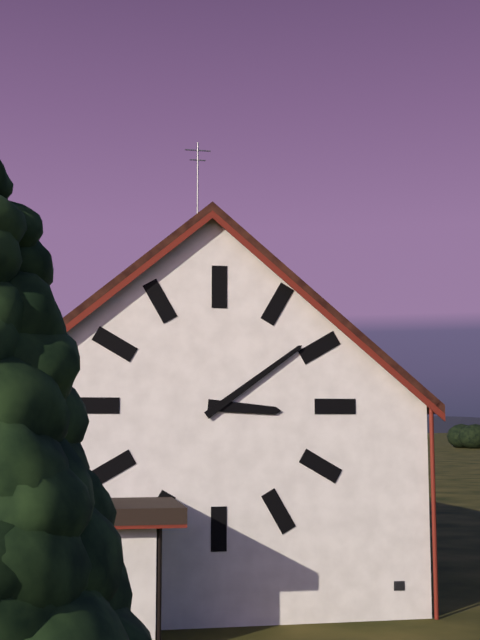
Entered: 3h09
